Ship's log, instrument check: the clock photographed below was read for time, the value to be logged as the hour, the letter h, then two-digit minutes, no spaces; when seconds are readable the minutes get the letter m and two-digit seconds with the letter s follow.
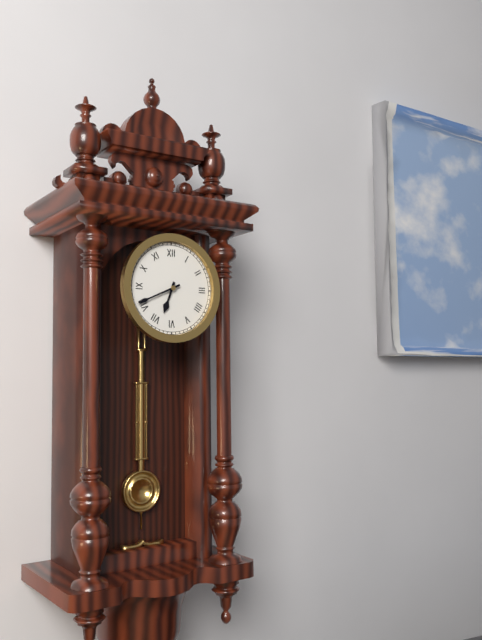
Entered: 6h41
